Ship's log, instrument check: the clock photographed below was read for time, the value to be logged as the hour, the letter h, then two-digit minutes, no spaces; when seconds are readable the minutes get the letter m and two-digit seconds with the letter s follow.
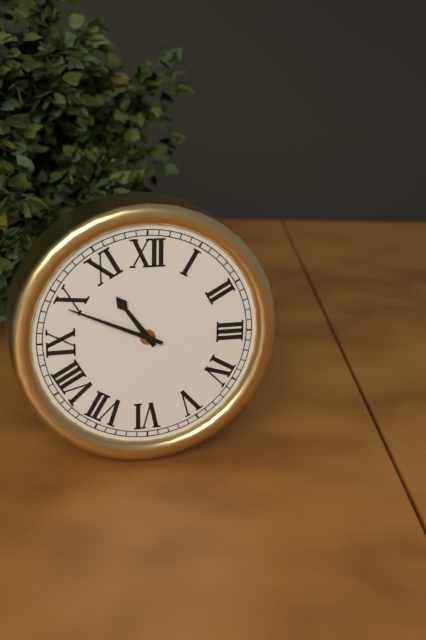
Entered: 10h49
